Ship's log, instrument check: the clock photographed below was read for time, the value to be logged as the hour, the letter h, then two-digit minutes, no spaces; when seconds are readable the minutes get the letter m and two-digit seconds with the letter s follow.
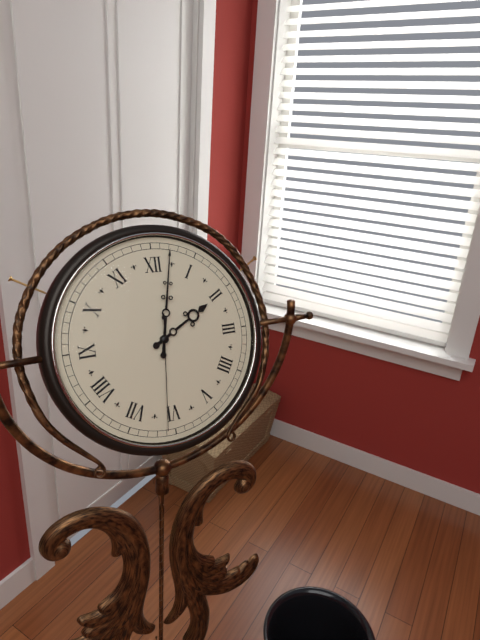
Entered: 2h02m31s
